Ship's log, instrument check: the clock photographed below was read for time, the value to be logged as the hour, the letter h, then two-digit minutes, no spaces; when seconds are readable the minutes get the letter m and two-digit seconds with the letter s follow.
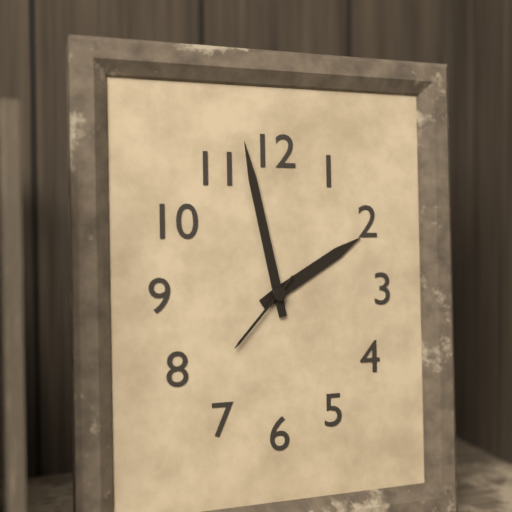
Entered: 1h58m37s
